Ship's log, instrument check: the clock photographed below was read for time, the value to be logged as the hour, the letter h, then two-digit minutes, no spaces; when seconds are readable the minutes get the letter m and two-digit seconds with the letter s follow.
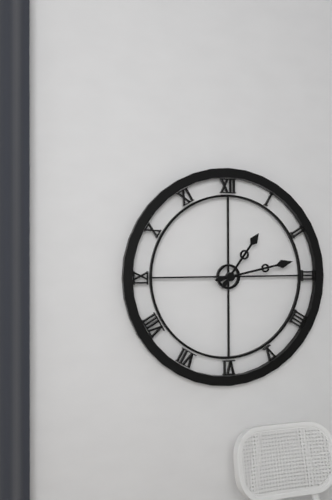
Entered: 1h13
